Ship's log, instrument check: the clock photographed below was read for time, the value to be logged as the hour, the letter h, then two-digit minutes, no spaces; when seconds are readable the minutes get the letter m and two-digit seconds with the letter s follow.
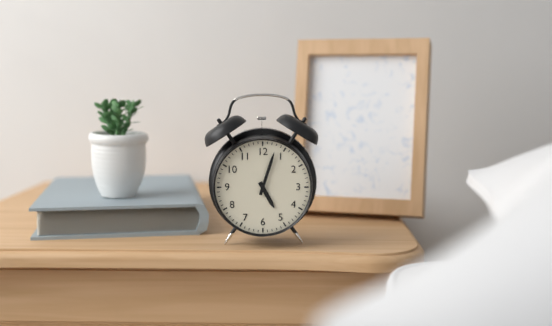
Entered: 5h03
